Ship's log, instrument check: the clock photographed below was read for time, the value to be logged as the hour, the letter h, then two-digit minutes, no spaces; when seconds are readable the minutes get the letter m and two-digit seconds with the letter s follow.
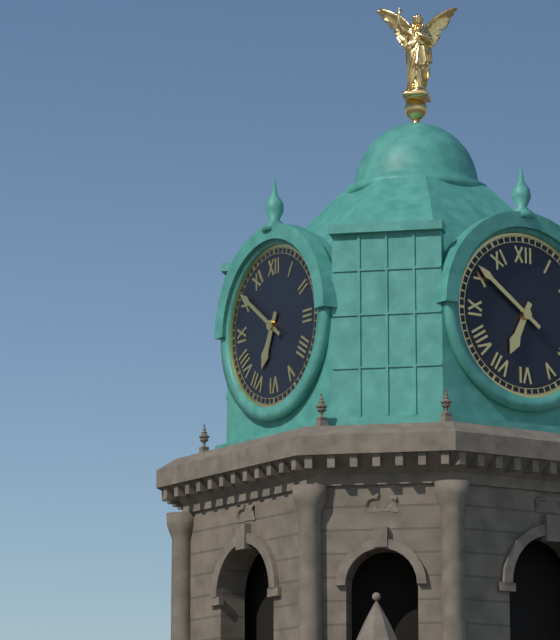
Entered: 6h51
